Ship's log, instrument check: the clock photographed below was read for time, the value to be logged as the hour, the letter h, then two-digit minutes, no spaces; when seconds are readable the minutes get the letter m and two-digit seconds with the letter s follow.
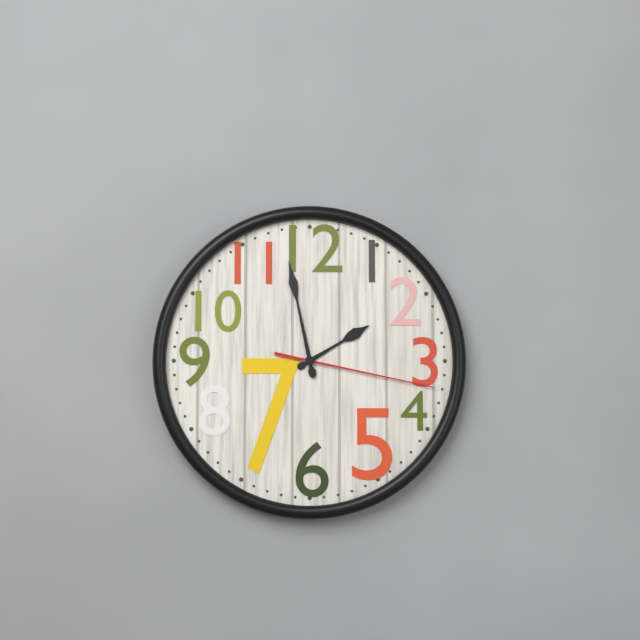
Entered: 1h58m17s
